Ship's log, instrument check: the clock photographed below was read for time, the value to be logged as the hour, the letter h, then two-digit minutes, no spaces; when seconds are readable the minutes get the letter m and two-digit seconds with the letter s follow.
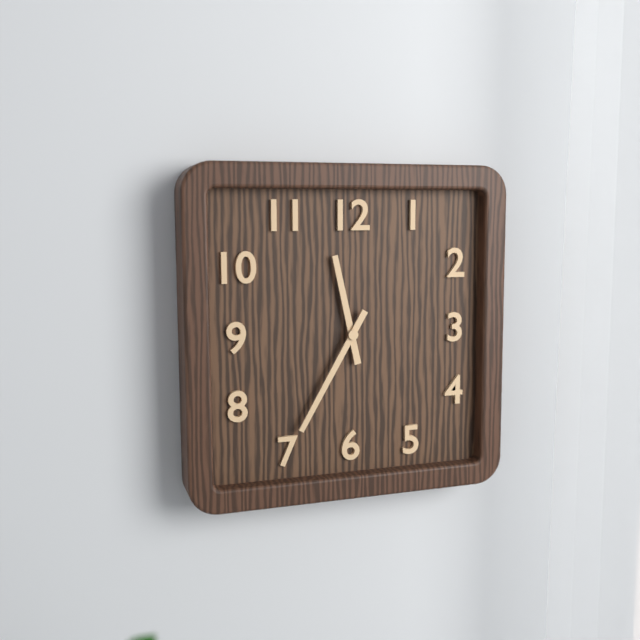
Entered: 11h35
